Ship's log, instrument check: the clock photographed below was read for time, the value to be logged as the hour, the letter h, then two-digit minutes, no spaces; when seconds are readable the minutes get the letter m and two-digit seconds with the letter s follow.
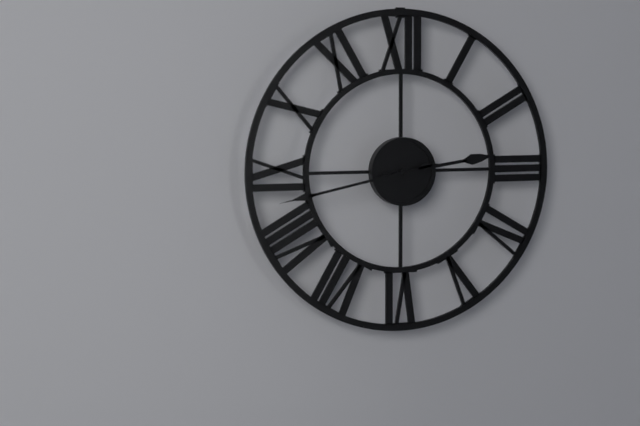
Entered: 2h43
